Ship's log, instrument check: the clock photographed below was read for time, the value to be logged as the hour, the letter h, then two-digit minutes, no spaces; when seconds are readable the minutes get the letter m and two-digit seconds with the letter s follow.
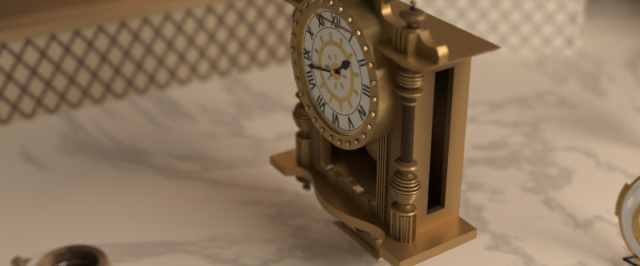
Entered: 1h43
